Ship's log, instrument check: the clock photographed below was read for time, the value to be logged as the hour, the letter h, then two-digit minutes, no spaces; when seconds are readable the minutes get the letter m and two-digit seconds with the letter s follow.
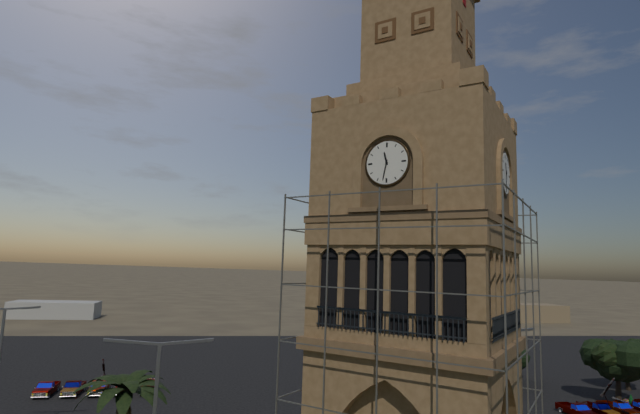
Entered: 11h32
